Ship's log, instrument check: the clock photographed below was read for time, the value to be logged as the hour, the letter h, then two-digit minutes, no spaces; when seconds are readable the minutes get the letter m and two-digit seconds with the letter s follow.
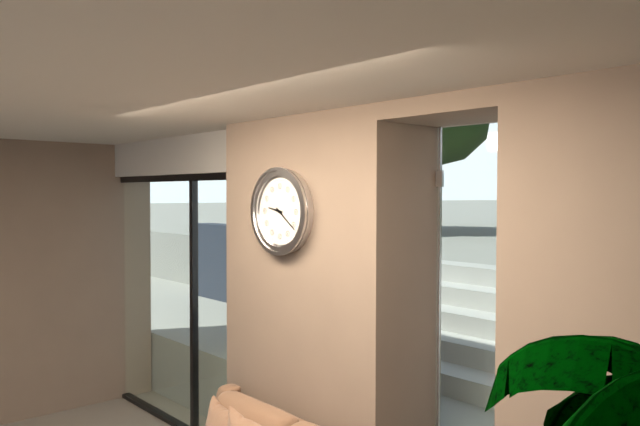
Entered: 9h21
